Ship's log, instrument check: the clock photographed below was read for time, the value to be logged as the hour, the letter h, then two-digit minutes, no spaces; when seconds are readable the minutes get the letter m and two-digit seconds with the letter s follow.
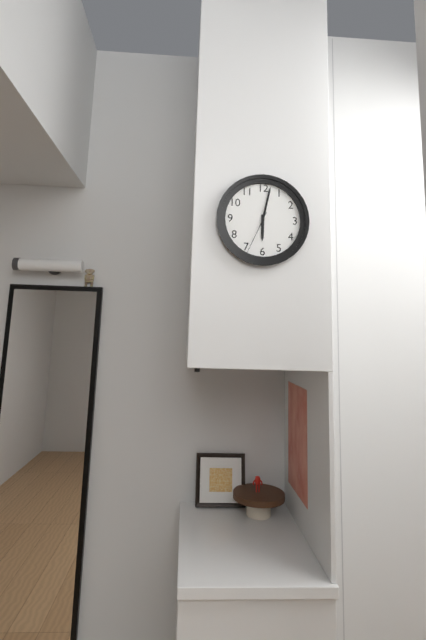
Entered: 6h02
